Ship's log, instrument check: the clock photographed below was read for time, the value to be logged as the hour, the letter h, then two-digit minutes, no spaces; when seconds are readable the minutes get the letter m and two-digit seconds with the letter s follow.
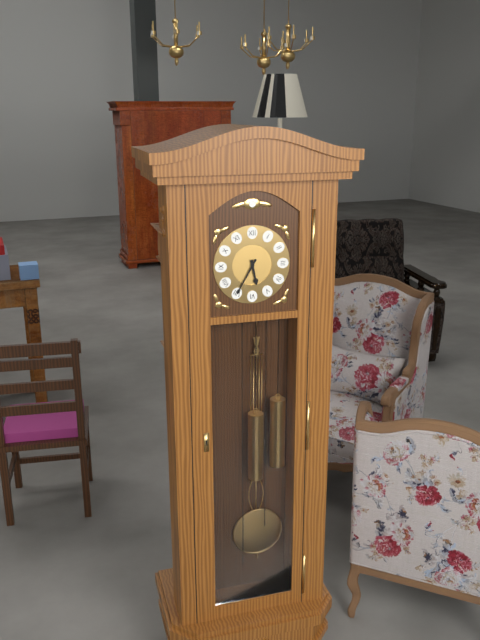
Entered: 5h35
